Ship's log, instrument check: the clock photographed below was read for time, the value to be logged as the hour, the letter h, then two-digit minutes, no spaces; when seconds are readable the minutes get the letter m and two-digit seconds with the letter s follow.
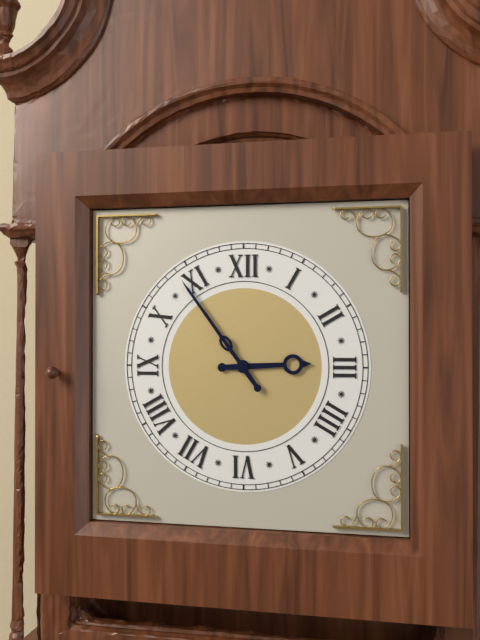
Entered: 2h54
